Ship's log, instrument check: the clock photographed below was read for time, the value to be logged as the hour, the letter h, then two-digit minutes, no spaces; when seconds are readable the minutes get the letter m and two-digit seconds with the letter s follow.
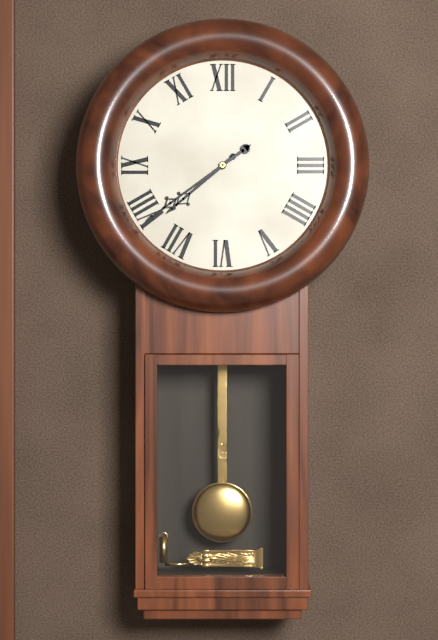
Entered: 7h39
